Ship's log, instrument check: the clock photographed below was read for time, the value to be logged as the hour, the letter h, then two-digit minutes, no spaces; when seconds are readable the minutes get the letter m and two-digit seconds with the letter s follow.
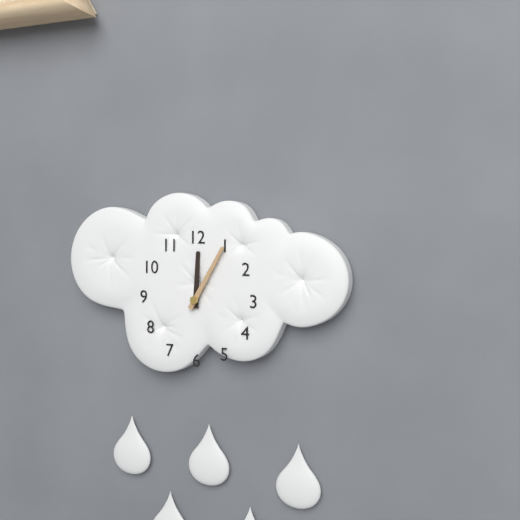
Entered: 12h05
